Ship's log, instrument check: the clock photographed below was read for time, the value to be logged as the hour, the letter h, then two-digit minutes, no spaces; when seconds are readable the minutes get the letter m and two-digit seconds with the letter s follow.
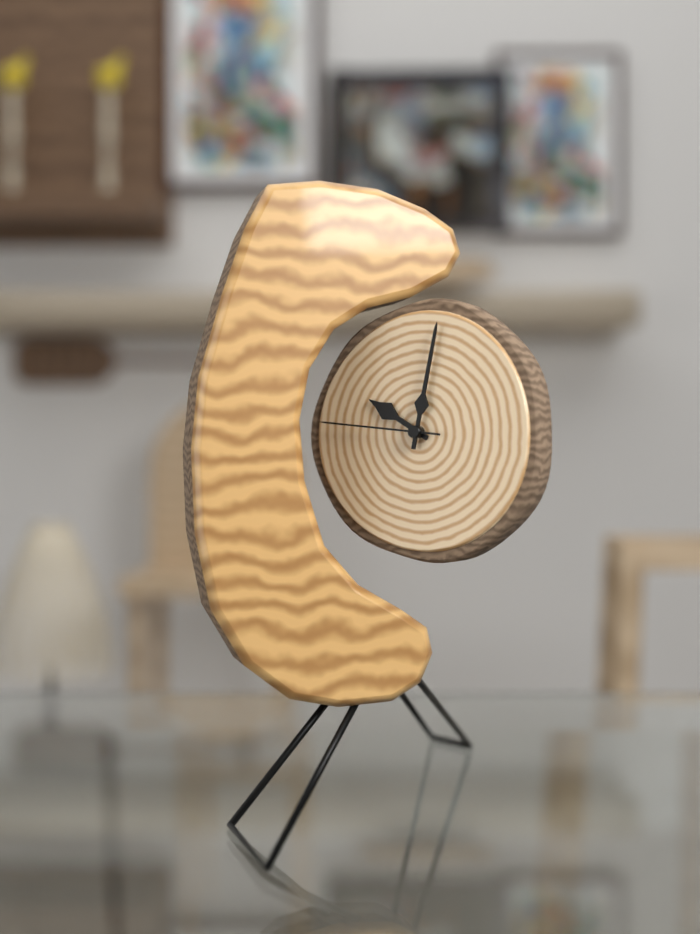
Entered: 10h02m46s
